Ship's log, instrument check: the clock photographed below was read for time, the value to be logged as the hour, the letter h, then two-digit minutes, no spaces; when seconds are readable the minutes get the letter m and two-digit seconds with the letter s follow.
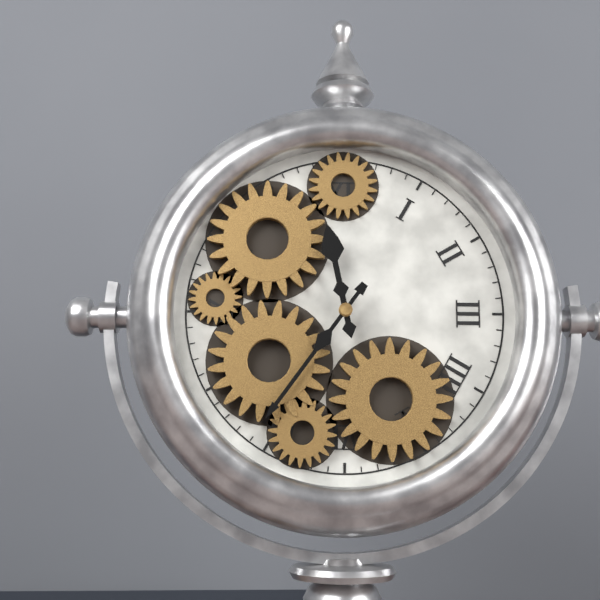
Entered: 11h36
